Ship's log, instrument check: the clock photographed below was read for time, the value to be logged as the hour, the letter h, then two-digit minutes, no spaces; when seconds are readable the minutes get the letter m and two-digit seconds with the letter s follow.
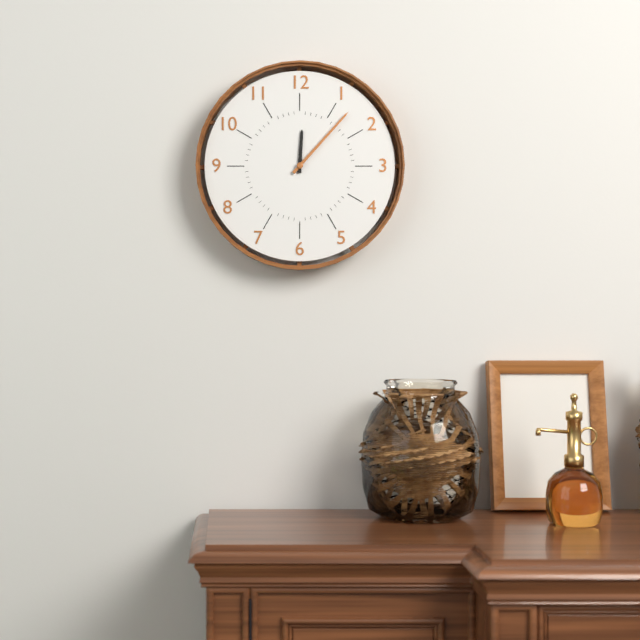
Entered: 12h07
